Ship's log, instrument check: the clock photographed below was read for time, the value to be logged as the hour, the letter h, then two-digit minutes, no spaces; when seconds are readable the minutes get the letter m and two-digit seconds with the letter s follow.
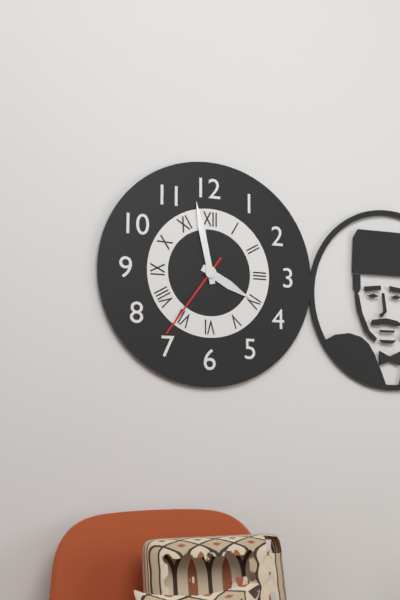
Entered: 3h58m36s
